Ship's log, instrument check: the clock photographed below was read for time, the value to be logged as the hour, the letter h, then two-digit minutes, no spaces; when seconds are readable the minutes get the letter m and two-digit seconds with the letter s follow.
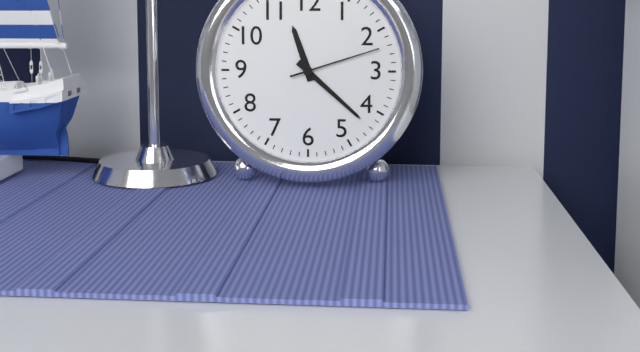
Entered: 11h22m12s
